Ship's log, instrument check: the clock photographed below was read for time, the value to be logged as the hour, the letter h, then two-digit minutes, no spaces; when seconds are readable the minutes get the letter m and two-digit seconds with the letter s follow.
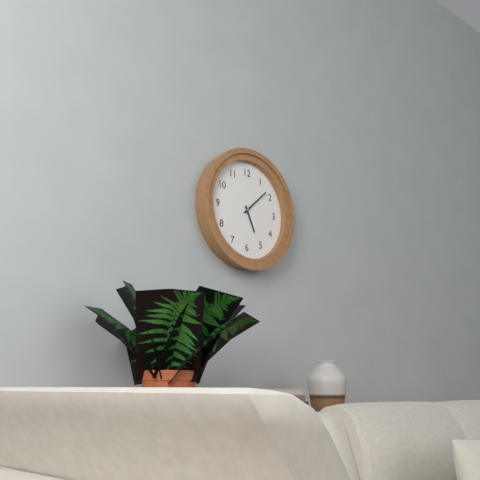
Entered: 5h08
